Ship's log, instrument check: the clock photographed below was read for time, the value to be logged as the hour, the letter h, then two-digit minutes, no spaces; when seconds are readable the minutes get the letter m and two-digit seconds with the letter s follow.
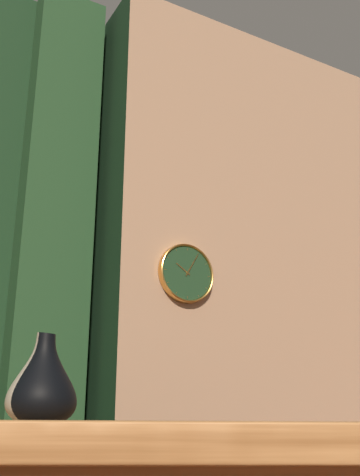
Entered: 10h05
